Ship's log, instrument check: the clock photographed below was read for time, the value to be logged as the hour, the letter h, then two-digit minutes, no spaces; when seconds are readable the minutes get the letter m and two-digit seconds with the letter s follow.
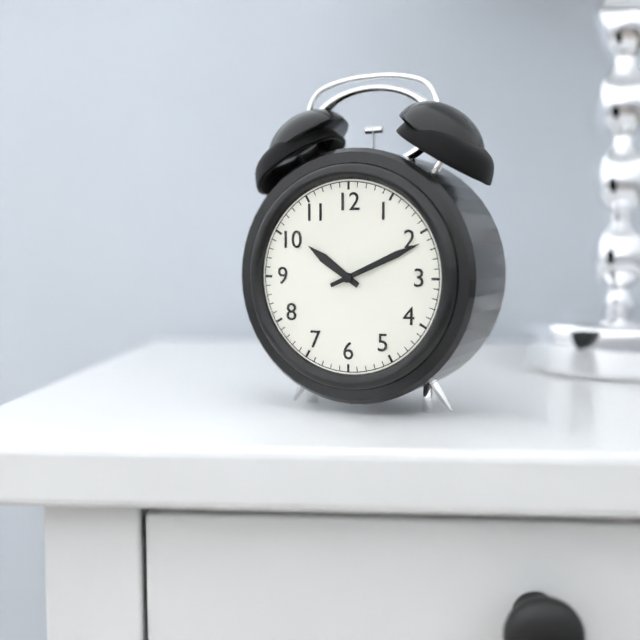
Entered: 10h11
